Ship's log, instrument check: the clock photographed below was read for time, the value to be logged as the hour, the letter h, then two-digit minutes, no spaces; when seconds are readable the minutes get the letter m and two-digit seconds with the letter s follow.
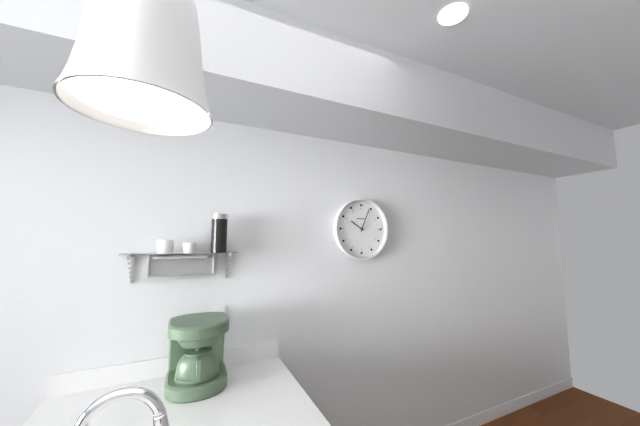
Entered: 10h04
